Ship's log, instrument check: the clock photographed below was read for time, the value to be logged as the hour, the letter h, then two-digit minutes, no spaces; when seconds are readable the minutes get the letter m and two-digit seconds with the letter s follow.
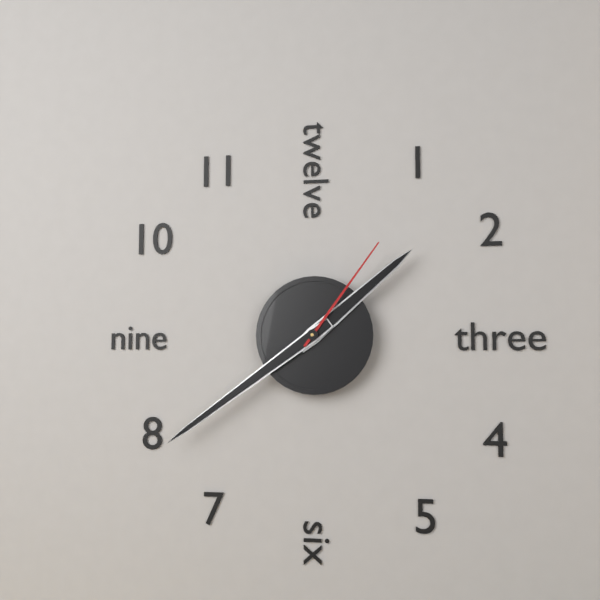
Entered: 1h39m06s
